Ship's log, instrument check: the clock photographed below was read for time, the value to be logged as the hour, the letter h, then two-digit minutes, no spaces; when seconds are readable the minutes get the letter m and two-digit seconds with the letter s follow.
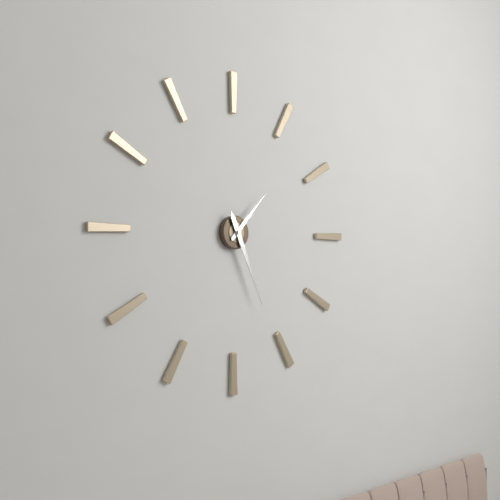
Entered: 1h26
